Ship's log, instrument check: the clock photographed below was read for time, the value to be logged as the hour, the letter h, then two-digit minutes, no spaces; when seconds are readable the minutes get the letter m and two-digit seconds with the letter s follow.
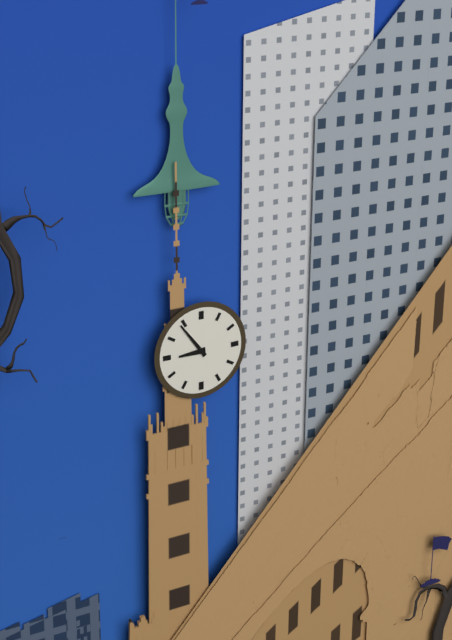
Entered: 8h54
